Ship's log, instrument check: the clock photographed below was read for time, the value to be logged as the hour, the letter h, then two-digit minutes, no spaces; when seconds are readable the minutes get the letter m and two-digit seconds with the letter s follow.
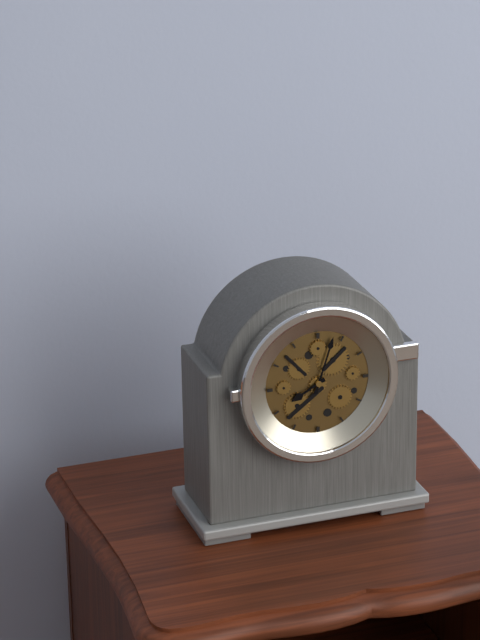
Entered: 8h03
